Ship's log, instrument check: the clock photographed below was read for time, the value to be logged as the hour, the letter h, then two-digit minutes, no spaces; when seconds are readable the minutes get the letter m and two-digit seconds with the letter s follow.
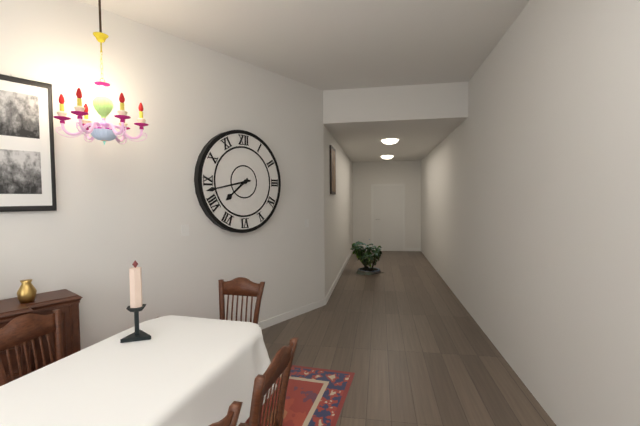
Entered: 7h43
